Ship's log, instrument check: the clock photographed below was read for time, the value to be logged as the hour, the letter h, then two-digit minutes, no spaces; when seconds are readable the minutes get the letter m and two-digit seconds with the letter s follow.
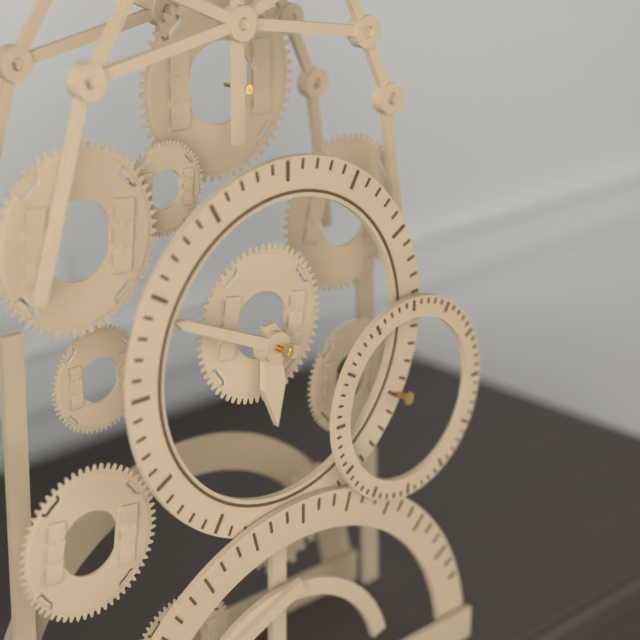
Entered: 5h49
